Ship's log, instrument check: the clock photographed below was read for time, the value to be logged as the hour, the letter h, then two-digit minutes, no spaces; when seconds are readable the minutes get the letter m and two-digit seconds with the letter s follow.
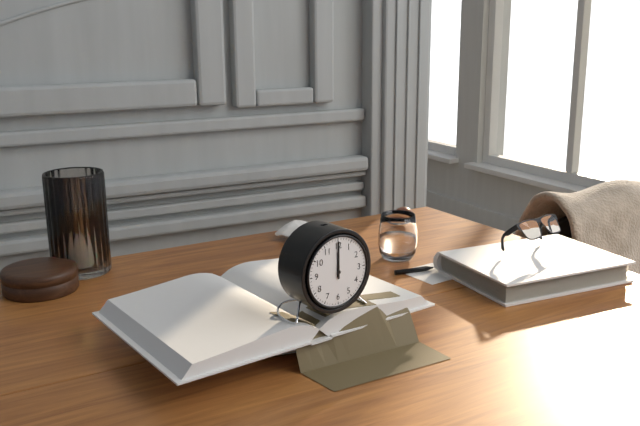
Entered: 12h00
